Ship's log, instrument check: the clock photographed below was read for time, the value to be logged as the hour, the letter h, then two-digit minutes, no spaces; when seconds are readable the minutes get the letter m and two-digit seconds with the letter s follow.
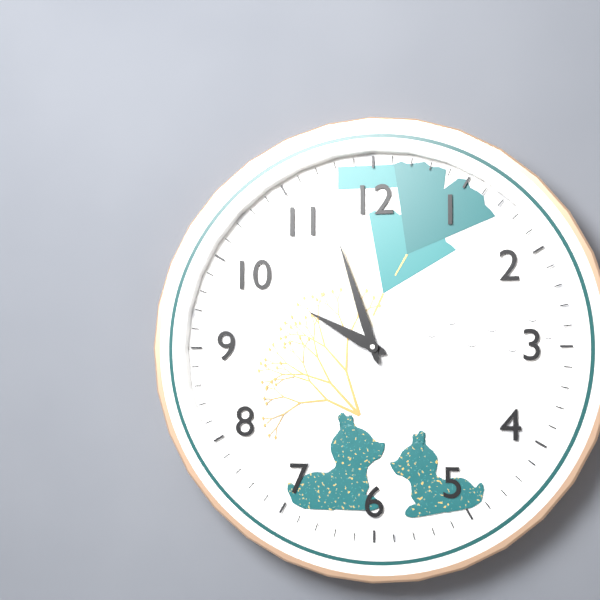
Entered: 9h57
